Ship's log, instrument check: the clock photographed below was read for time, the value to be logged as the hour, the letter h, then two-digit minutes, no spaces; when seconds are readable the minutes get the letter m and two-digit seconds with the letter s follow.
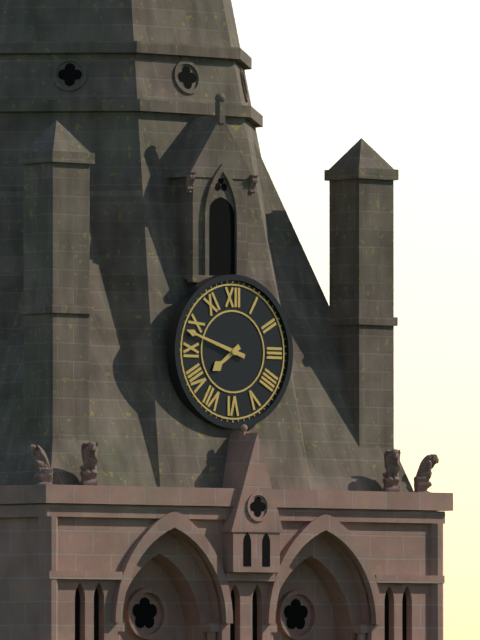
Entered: 7h48
